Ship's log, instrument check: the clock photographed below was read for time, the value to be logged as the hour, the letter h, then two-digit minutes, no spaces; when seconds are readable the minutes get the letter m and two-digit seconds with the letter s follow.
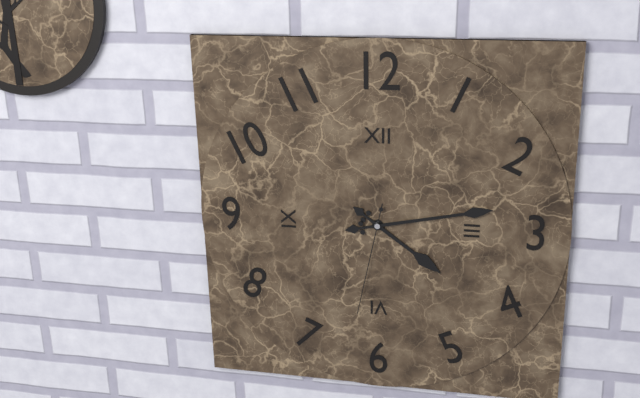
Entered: 4h13m32s
